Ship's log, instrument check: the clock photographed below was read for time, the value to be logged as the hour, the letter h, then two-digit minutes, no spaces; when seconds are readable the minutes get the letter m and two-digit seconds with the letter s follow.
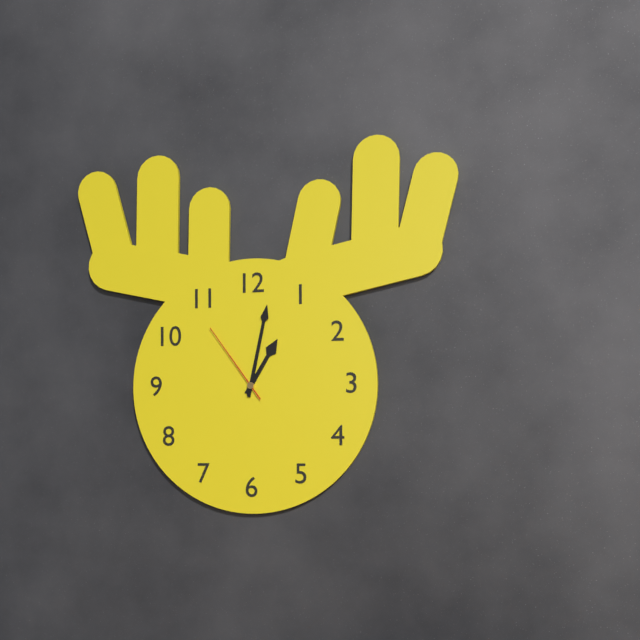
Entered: 1h02m54s
